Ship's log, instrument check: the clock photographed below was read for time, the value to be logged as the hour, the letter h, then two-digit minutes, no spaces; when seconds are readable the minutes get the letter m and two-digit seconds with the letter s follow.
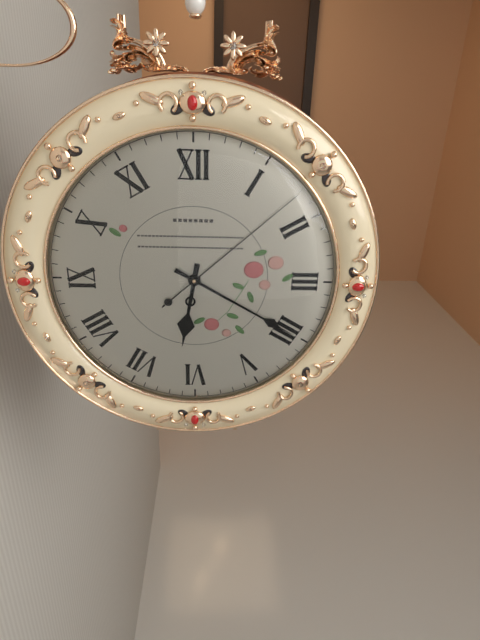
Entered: 6h20m08s
